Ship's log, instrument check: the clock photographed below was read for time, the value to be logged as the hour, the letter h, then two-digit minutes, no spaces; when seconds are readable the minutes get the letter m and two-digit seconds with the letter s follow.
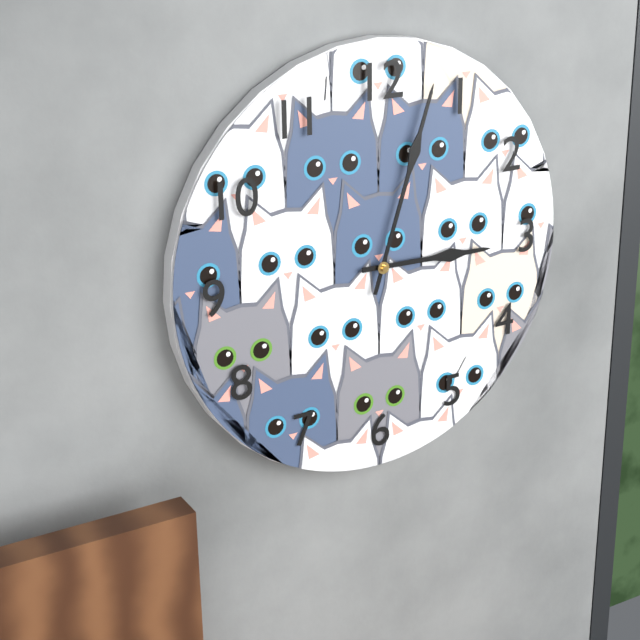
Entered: 3h03
